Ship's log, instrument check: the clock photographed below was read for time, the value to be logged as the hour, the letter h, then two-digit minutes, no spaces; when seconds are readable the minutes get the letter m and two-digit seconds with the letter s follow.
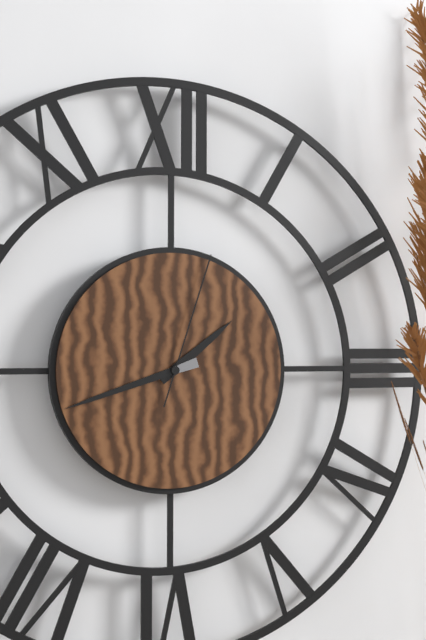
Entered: 1h42m03s
